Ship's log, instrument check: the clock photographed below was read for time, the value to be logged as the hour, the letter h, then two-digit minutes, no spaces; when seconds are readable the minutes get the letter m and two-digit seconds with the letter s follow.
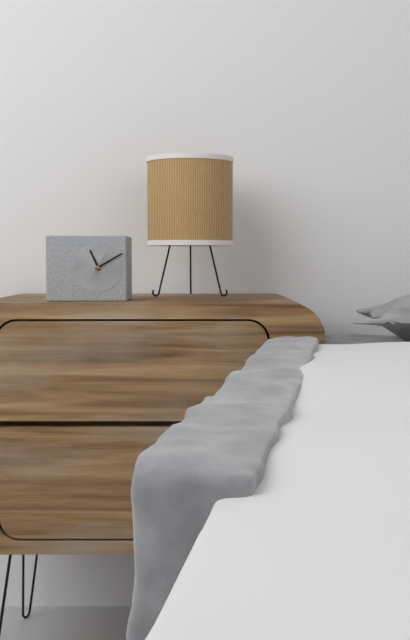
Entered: 11h10
